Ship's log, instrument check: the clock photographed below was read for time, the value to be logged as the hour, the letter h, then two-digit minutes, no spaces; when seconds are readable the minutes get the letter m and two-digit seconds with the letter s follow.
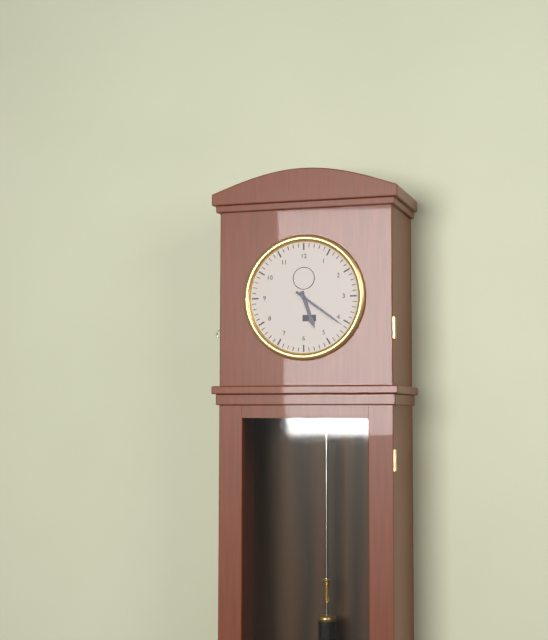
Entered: 5h21
